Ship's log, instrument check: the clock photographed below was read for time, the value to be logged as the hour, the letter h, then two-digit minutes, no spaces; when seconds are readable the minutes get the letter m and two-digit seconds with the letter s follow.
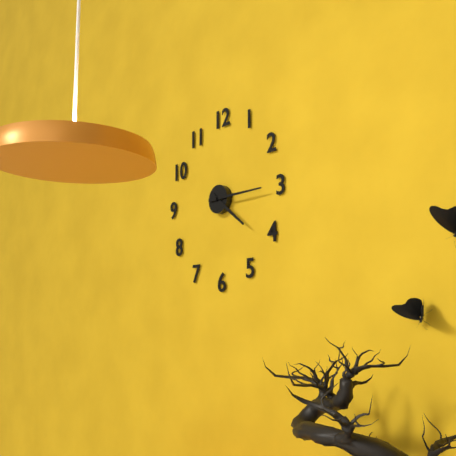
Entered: 4h15
